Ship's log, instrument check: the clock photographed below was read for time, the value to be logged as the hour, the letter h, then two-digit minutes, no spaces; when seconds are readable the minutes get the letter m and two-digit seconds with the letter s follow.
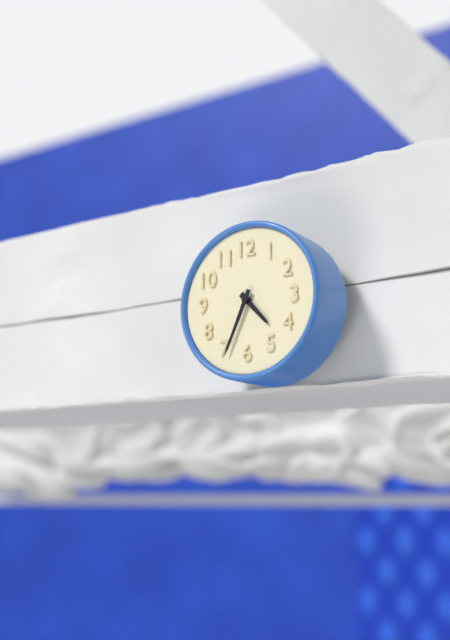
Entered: 4h34
